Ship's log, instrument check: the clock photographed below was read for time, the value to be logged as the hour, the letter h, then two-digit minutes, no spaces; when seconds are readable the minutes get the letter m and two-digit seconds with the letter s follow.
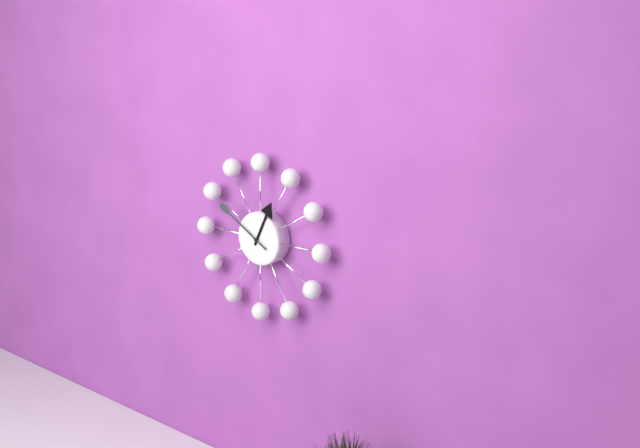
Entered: 12h50
